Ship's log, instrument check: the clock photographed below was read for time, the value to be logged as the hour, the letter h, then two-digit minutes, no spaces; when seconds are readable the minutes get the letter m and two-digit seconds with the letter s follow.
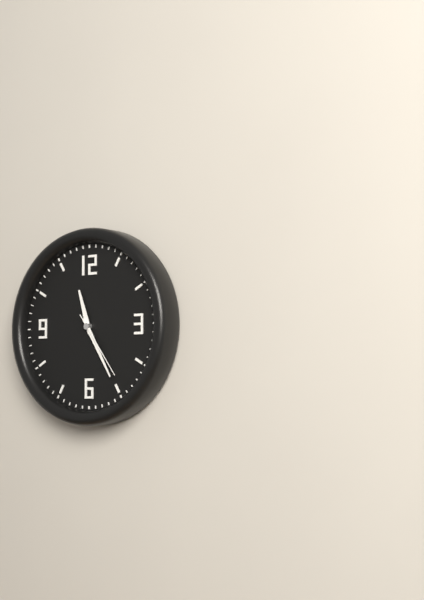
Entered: 11h25m24s
